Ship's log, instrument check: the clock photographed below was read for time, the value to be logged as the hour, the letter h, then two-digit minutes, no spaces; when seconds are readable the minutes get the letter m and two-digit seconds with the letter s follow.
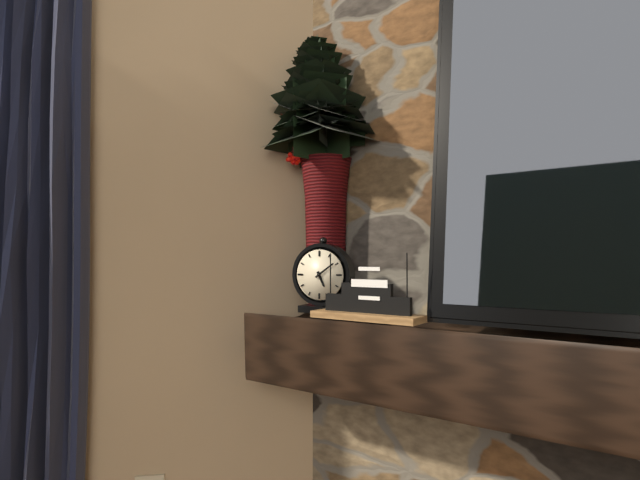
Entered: 5h09
